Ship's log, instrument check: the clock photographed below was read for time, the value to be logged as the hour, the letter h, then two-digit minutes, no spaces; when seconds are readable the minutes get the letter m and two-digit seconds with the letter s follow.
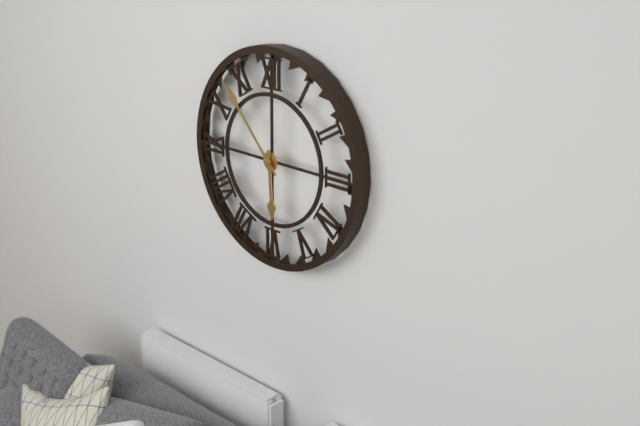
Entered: 5h53
